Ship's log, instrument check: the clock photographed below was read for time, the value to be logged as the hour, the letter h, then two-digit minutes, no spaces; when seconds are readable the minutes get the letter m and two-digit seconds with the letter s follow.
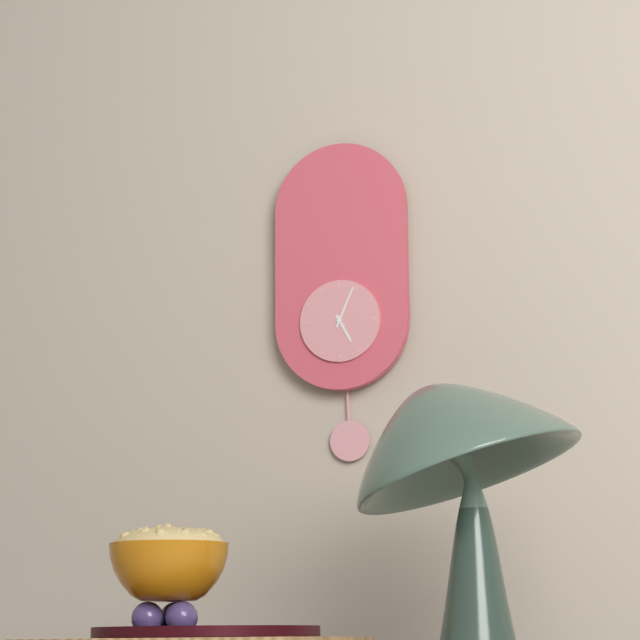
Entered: 5h04
